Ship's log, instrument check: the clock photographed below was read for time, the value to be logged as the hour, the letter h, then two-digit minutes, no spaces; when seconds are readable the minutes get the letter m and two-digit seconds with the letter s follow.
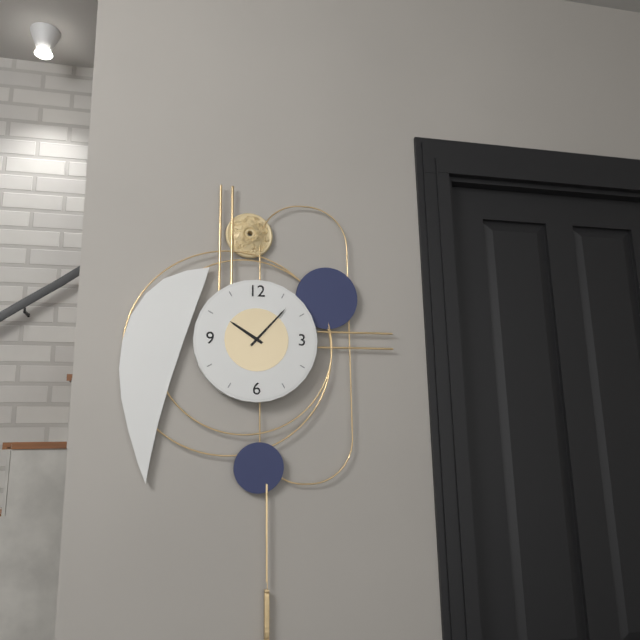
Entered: 10h07
